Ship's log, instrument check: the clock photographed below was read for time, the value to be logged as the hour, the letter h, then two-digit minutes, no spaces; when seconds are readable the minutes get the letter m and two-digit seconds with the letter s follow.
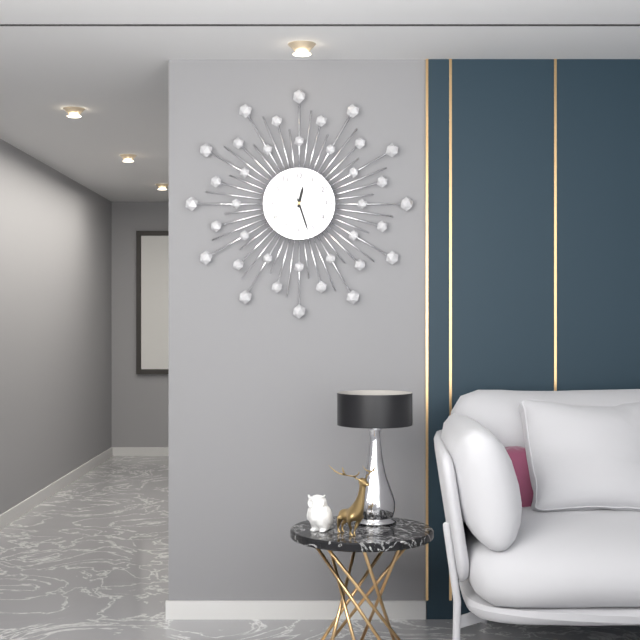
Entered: 12h27
